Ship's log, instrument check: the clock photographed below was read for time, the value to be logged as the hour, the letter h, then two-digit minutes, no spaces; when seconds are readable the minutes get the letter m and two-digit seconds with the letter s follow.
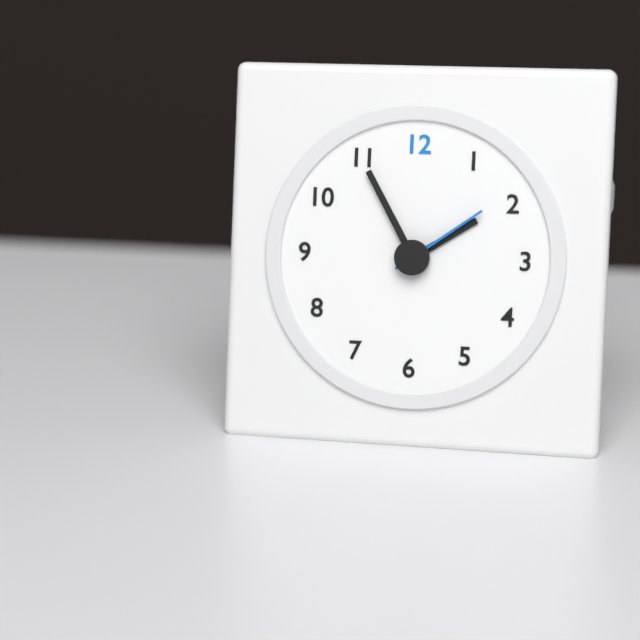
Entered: 1h55m09s
